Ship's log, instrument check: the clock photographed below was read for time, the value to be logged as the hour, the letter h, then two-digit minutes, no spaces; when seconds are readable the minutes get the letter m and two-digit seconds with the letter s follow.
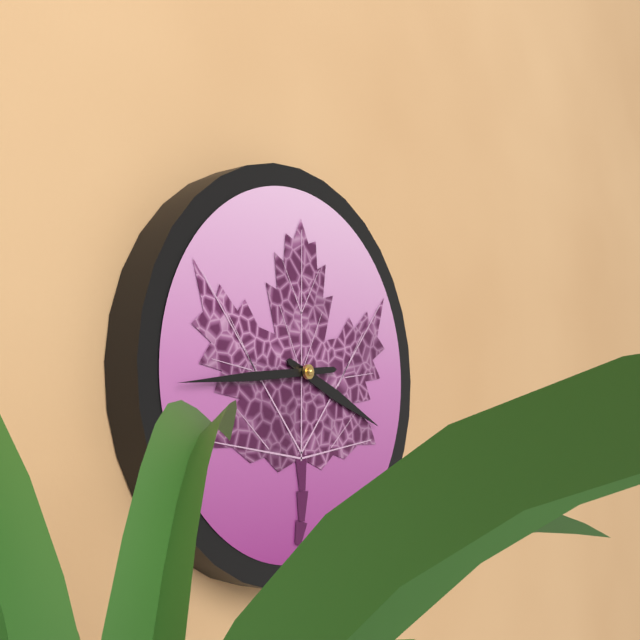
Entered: 3h44
